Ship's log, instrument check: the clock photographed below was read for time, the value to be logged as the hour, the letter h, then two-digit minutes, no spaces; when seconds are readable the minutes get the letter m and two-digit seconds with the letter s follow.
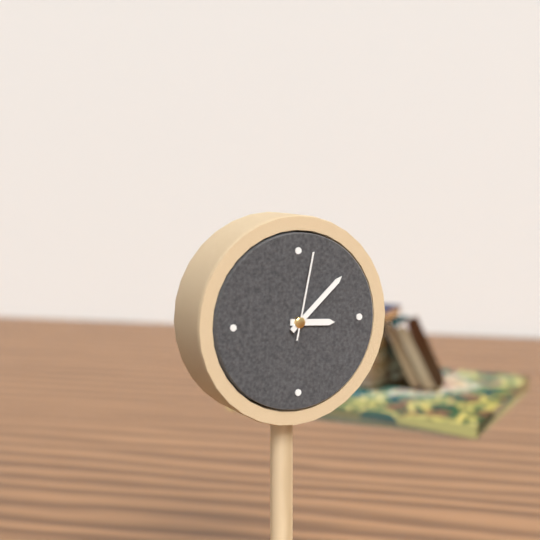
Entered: 3h08m02s
